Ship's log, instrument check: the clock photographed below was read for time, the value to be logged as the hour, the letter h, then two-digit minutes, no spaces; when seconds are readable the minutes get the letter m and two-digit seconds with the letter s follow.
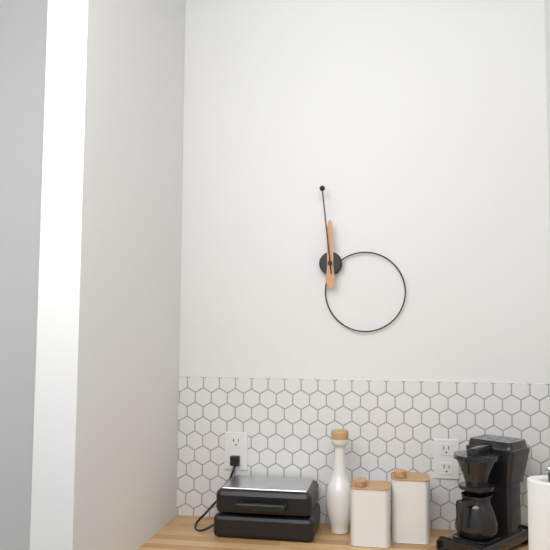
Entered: 11h59
